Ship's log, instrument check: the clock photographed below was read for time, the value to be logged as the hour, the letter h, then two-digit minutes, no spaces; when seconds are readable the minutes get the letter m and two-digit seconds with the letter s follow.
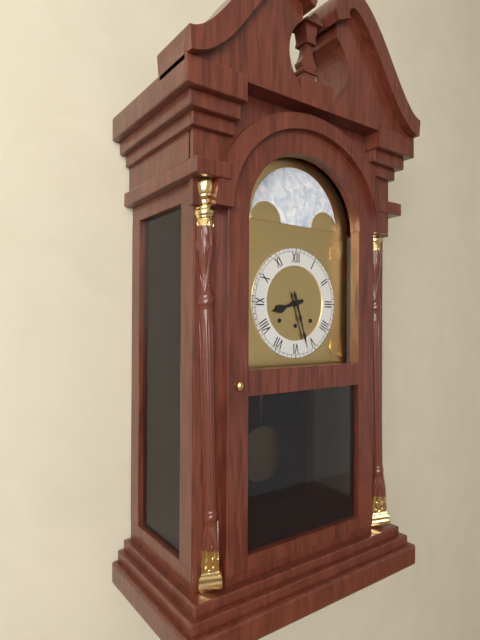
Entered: 8h27
